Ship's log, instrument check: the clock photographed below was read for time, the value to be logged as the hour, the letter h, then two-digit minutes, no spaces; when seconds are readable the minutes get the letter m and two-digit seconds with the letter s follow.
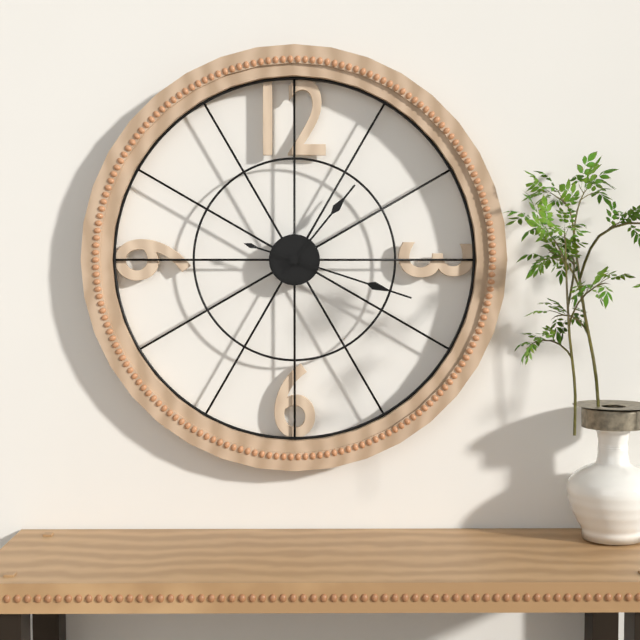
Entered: 1h18
